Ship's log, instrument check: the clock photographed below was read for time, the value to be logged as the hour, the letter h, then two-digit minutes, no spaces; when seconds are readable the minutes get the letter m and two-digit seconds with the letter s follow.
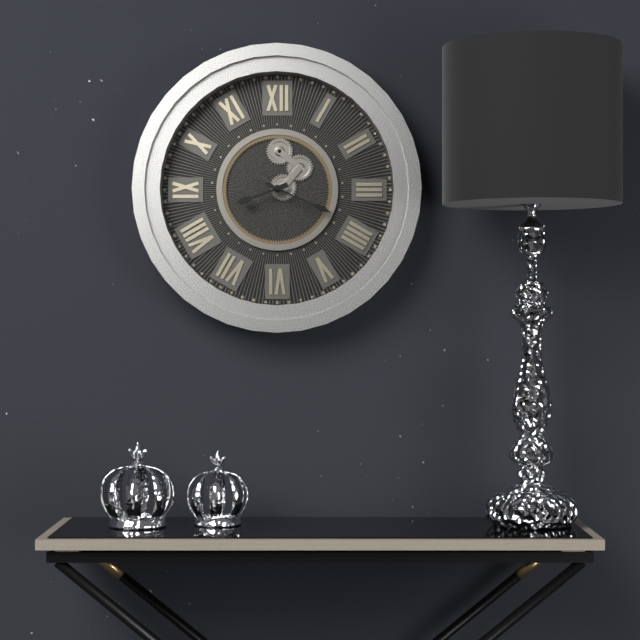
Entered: 8h19
